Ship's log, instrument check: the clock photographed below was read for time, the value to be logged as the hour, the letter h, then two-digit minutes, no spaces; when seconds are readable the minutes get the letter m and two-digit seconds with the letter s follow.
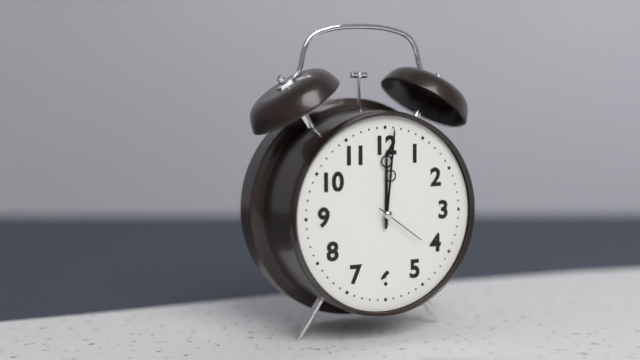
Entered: 12h01m21s
